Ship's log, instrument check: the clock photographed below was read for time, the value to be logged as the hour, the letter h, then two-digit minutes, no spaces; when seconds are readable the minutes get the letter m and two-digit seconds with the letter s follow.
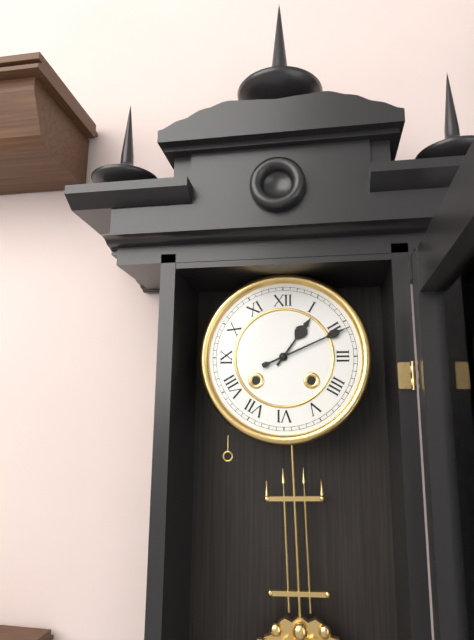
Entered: 1h11
